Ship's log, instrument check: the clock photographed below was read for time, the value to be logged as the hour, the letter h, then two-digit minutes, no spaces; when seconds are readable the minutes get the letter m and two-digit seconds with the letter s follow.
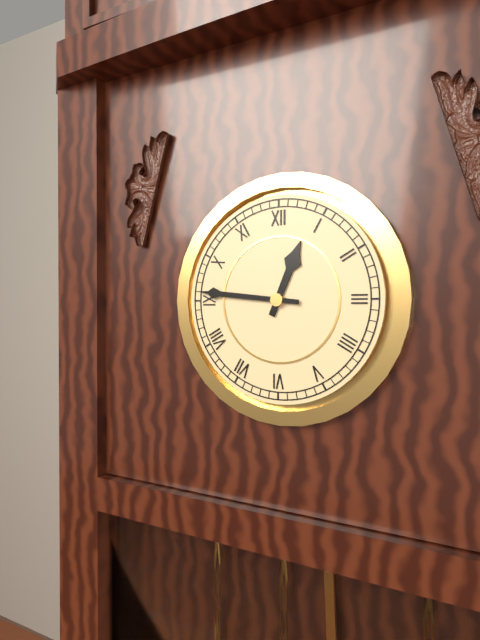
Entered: 12h46
